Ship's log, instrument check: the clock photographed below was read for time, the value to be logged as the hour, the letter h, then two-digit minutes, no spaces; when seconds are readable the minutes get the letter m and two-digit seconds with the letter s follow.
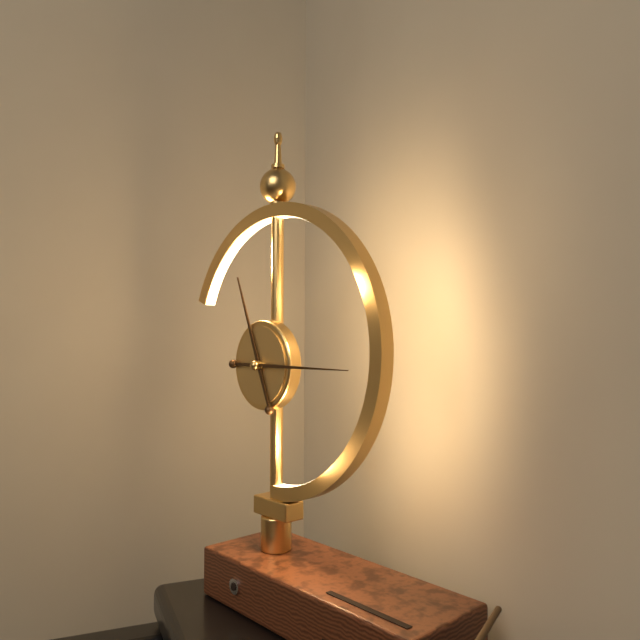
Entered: 11h15
